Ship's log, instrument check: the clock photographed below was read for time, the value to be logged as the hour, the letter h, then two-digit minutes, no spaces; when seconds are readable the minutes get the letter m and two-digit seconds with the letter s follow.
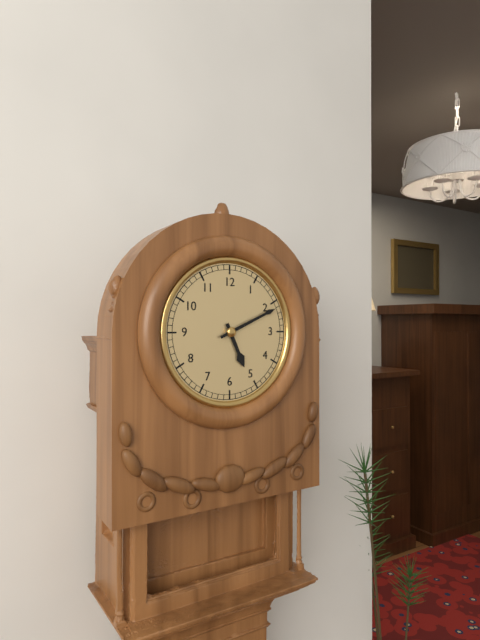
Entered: 5h11
